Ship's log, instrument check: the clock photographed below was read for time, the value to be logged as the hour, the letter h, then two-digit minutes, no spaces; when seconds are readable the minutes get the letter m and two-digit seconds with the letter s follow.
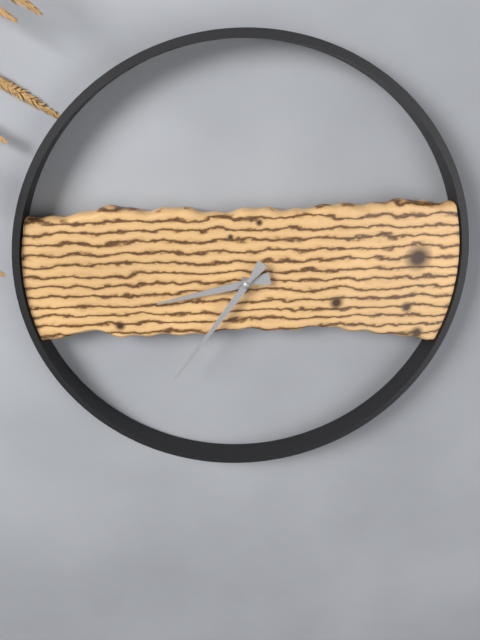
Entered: 8h36
